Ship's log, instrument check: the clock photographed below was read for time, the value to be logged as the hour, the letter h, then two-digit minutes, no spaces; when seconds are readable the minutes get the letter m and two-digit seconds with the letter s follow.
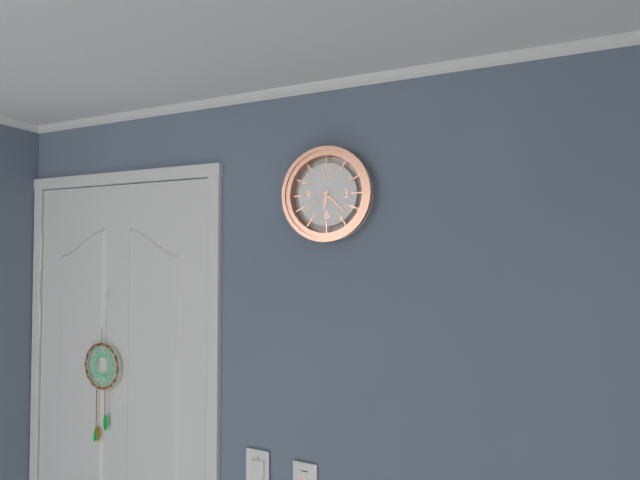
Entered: 6h22
